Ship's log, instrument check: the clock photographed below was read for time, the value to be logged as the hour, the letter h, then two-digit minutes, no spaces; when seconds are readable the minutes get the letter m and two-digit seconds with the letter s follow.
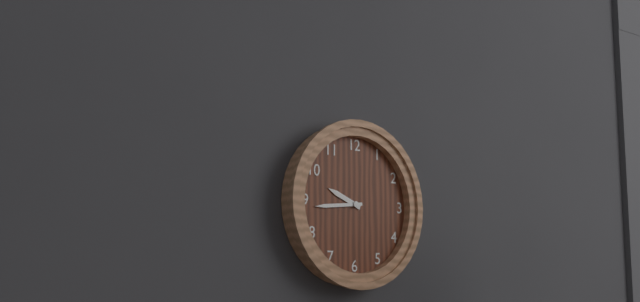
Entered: 9h44
